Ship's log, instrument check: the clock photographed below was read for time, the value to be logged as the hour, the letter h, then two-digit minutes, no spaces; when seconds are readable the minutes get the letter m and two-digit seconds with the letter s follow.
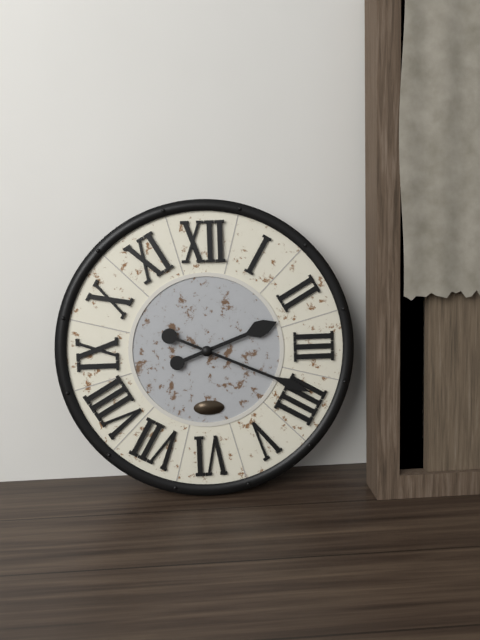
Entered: 2h19
